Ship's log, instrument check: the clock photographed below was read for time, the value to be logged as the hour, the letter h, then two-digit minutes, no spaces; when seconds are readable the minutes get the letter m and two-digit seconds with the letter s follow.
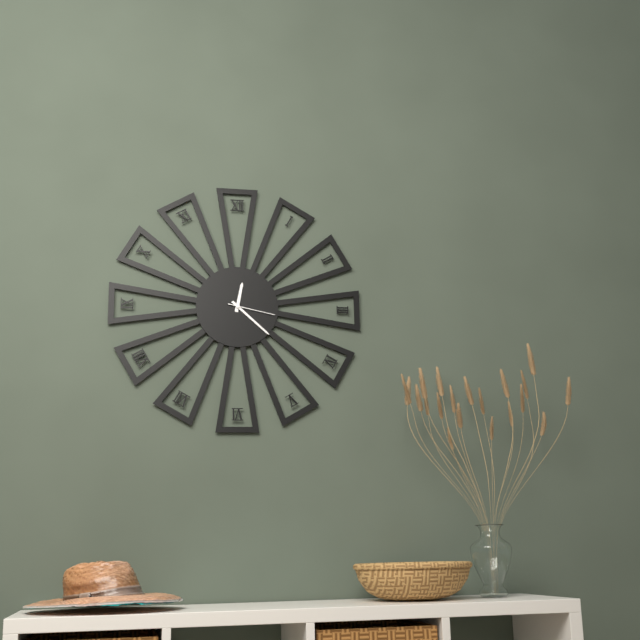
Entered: 12h22
